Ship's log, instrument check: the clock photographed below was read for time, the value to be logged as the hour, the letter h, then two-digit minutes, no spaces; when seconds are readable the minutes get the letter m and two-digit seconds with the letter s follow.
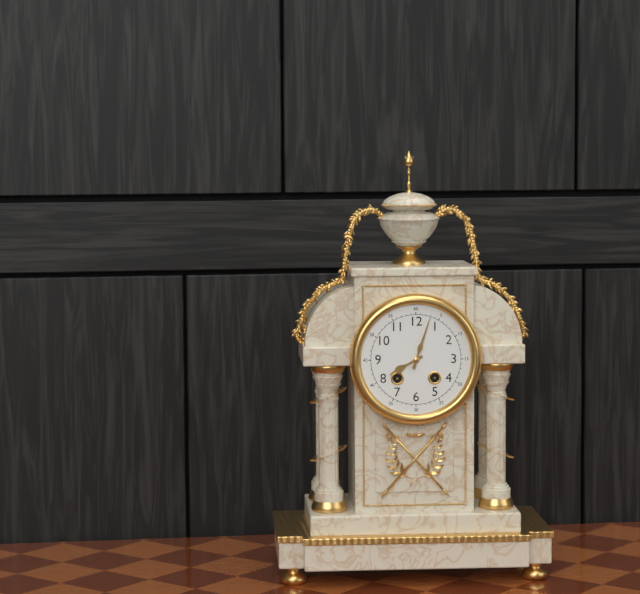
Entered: 8h03
